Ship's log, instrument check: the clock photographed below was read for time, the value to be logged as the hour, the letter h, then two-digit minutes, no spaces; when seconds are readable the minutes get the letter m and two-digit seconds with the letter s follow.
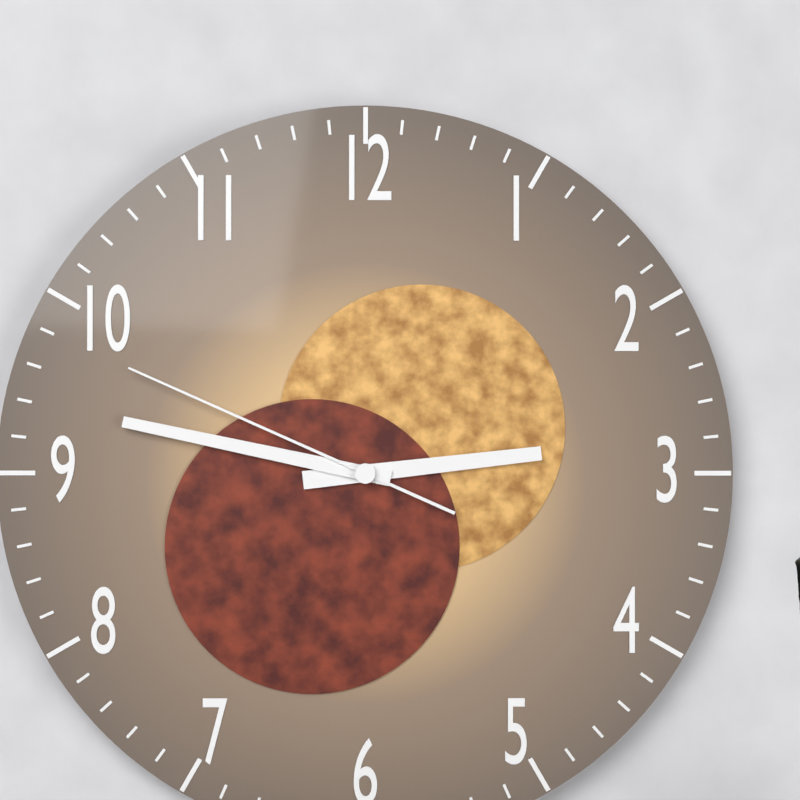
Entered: 2h47m49s
